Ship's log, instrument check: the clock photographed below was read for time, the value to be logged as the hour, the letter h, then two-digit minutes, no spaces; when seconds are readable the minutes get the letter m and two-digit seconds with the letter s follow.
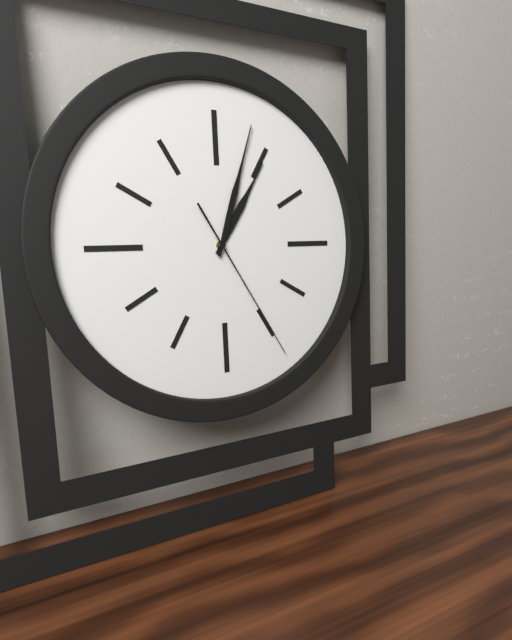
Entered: 1h03m25s
